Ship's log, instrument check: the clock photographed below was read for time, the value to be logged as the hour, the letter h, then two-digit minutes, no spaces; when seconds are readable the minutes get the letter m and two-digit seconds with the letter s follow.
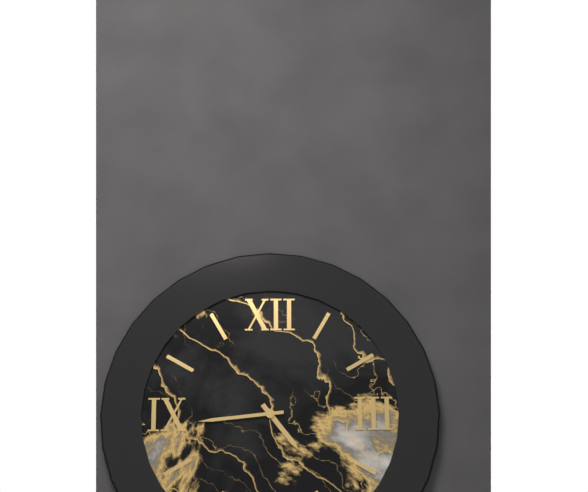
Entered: 4h44
